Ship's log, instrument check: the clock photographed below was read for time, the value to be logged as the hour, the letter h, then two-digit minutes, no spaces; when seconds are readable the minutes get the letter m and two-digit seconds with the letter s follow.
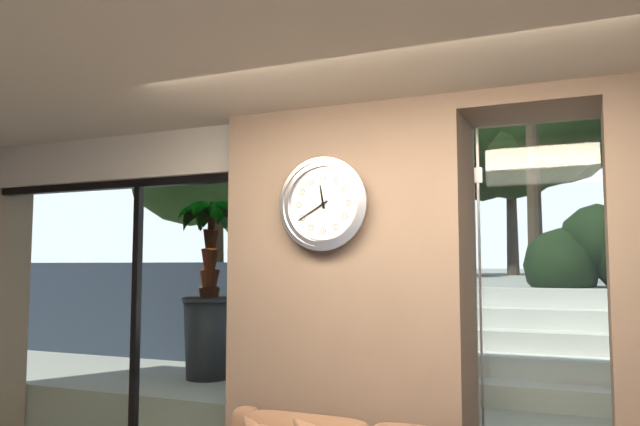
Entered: 11h40
